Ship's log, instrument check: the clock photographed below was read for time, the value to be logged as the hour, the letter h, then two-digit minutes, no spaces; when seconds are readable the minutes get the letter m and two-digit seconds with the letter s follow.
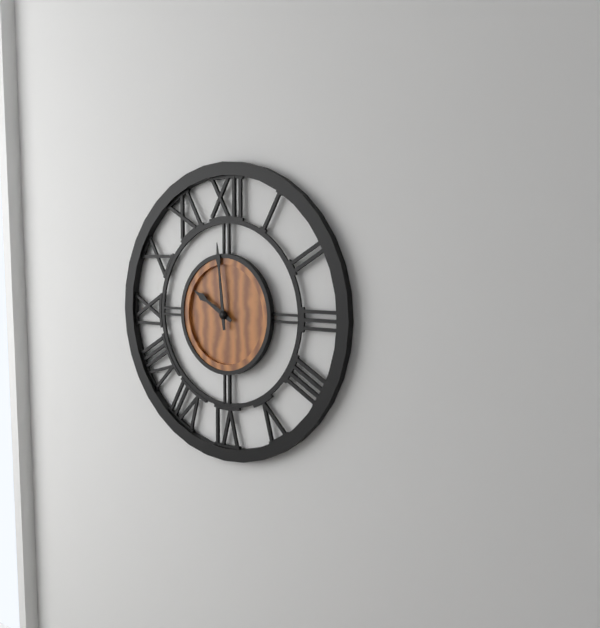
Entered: 9h59
